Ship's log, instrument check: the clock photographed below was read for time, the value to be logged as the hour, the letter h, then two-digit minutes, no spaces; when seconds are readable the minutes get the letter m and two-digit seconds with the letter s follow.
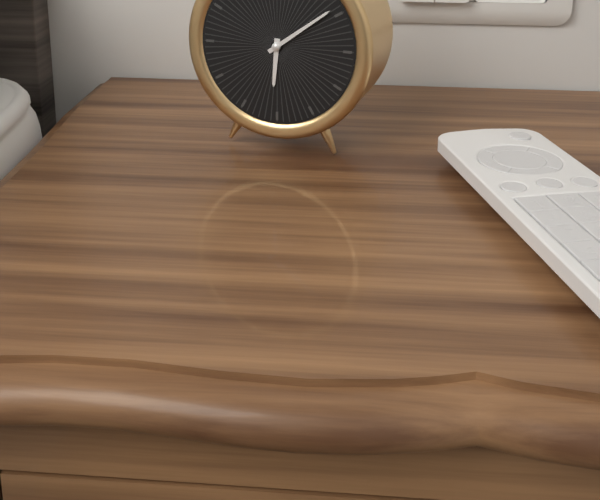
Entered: 6h09
